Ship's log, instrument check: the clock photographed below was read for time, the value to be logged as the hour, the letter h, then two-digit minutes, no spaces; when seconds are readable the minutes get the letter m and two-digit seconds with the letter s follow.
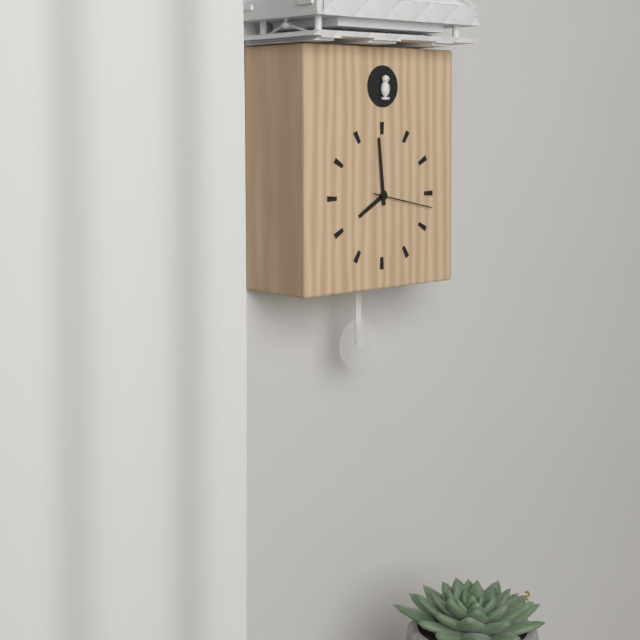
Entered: 7h59m17s
